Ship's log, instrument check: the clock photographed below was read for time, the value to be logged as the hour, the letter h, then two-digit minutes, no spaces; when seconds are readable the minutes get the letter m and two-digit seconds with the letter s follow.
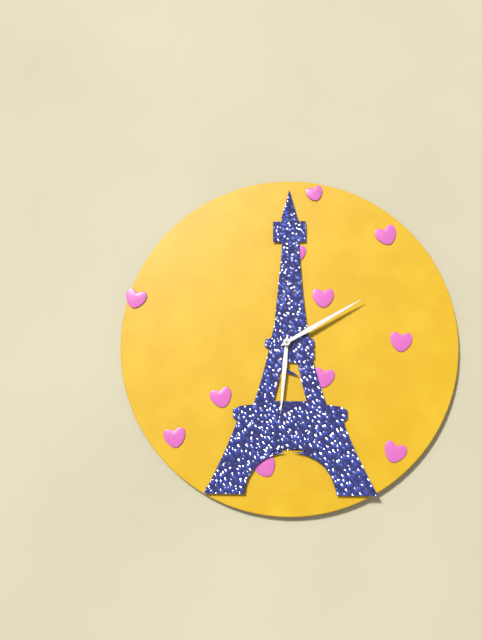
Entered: 6h10
